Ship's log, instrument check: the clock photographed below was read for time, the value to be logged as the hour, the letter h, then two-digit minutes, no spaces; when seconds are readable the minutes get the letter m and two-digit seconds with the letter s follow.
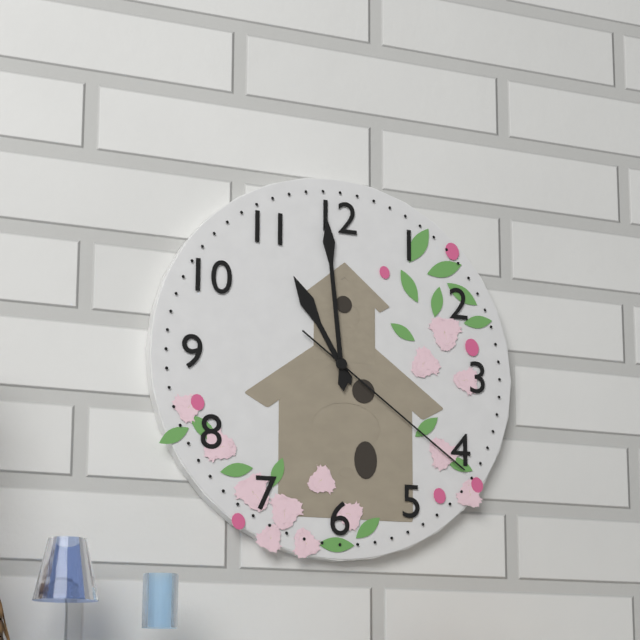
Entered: 10h59m21s
